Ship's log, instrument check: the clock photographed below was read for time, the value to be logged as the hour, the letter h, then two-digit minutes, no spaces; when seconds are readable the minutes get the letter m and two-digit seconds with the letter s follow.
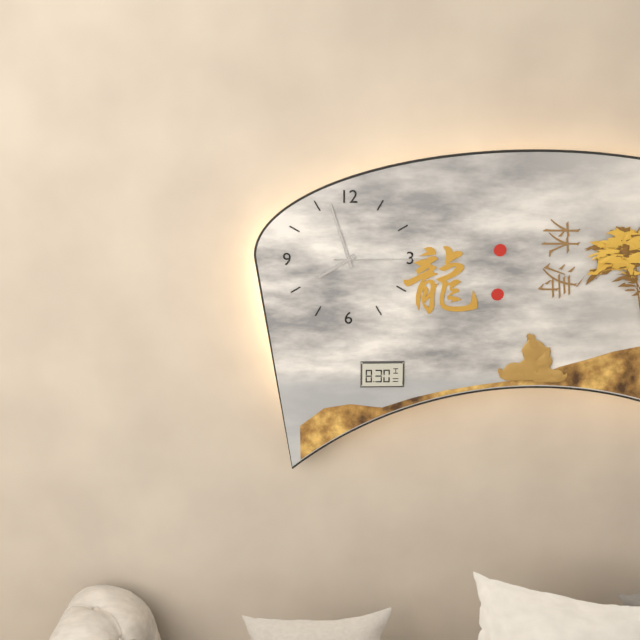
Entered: 7h57m15s
